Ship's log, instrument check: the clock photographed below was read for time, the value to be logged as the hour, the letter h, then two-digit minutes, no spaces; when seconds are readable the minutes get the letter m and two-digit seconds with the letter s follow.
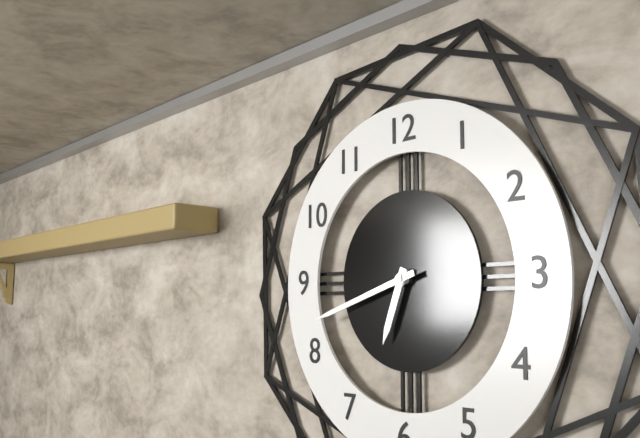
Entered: 6h42
